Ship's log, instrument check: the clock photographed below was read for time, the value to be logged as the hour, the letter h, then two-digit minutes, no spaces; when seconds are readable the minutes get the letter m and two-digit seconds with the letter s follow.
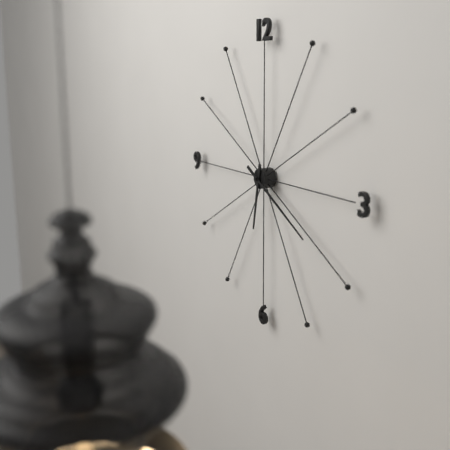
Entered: 6h20
